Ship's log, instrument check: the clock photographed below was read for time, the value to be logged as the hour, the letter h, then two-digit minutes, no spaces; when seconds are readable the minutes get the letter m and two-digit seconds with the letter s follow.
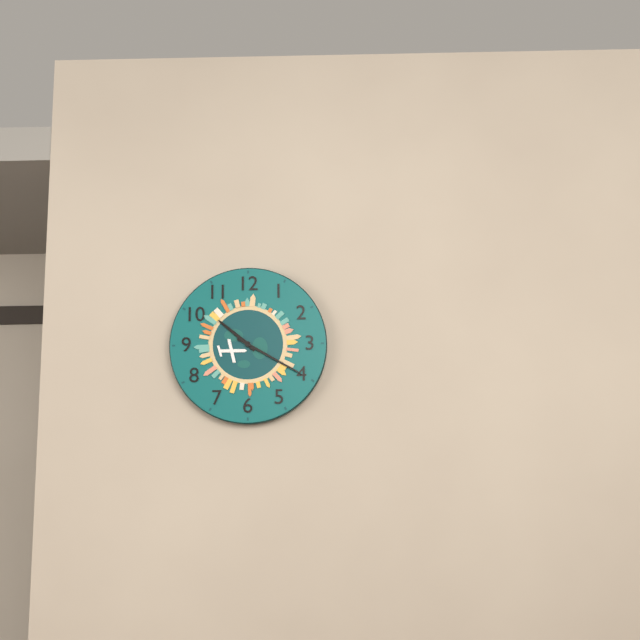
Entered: 10h20
